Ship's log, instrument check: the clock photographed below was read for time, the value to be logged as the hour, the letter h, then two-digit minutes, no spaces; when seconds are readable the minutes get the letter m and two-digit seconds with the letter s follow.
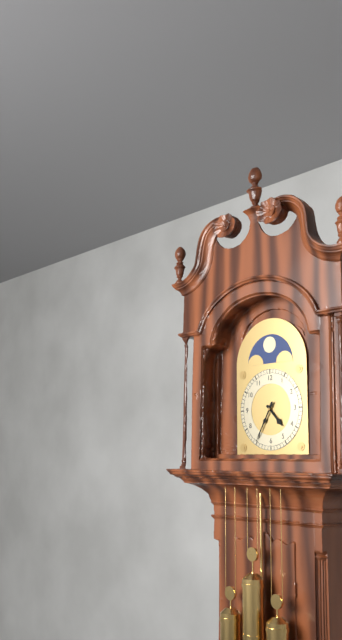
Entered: 4h35
